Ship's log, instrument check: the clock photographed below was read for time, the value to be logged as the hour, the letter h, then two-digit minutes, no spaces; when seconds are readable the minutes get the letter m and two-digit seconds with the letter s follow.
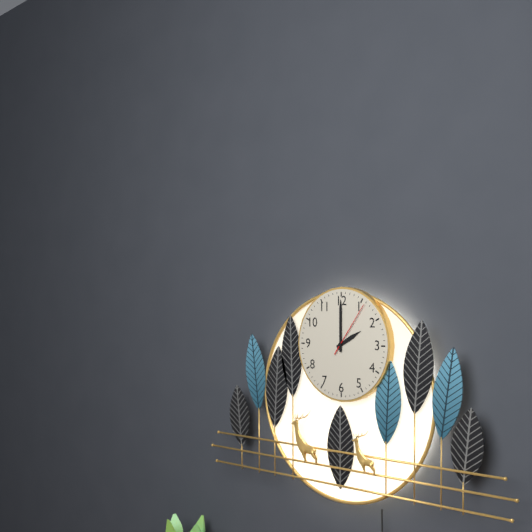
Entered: 2h00m06s
